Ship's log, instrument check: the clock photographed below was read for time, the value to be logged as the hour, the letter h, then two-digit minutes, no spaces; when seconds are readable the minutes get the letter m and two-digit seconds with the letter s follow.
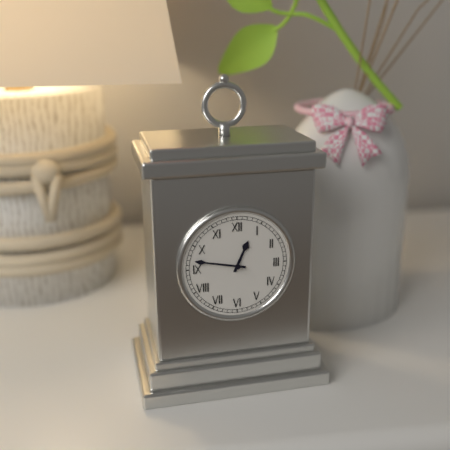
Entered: 12h47
